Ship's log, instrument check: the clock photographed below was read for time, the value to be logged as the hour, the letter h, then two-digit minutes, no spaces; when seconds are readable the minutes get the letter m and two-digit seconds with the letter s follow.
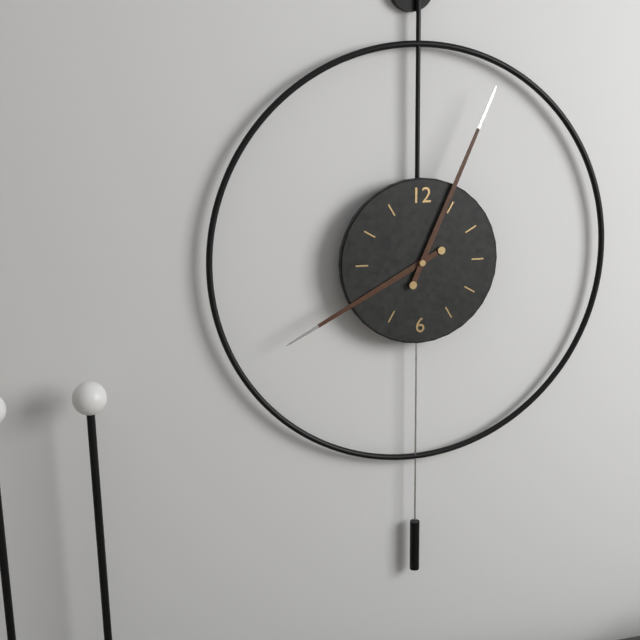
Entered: 8h04
